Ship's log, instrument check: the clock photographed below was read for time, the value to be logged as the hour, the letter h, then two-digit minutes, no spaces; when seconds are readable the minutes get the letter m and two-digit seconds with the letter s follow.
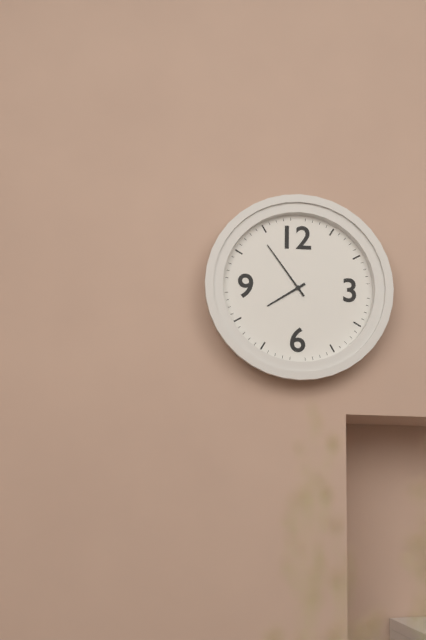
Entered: 7h54
